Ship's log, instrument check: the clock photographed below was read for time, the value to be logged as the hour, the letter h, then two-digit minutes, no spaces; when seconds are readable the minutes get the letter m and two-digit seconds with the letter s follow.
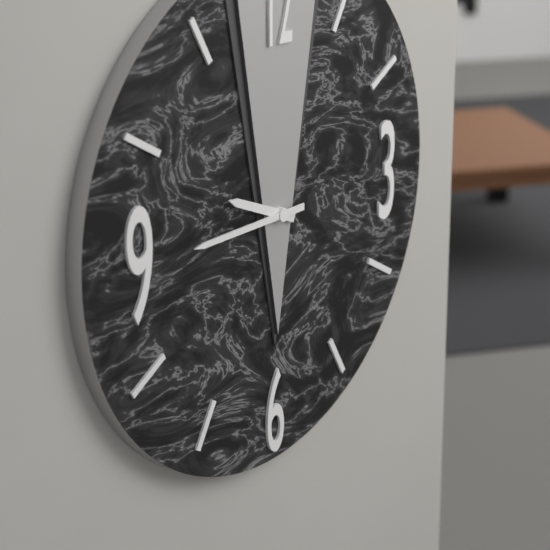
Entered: 9h45
